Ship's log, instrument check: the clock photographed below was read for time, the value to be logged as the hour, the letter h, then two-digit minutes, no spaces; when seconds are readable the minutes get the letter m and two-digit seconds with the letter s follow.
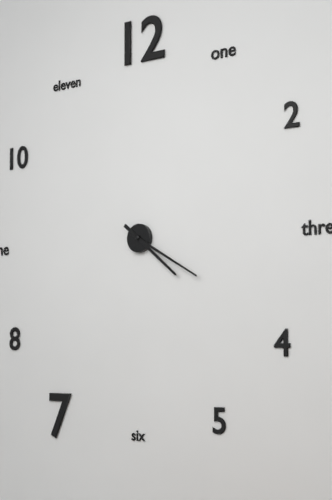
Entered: 4h20
